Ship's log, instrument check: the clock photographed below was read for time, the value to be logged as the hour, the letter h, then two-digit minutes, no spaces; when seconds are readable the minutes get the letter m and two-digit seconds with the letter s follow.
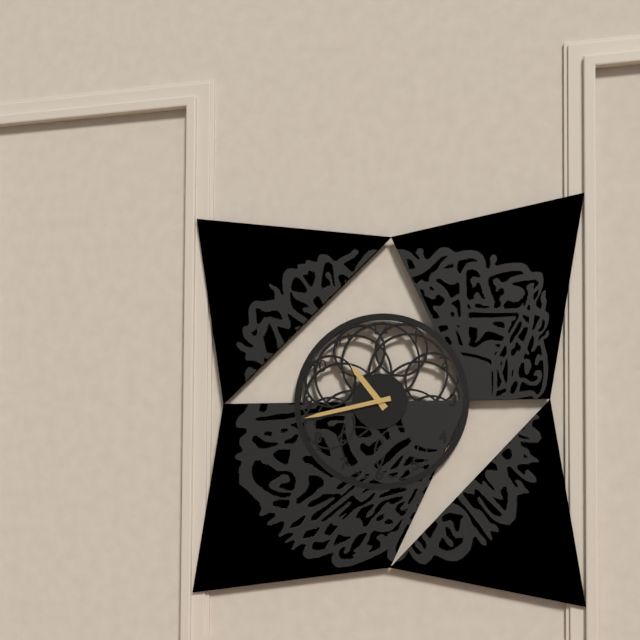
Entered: 10h43
